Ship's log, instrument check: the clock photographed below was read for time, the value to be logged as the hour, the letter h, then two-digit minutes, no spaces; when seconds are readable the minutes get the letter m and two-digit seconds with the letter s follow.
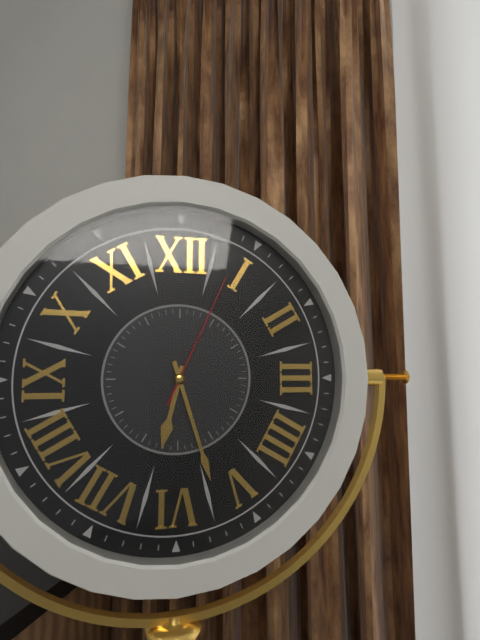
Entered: 6h27m04s
